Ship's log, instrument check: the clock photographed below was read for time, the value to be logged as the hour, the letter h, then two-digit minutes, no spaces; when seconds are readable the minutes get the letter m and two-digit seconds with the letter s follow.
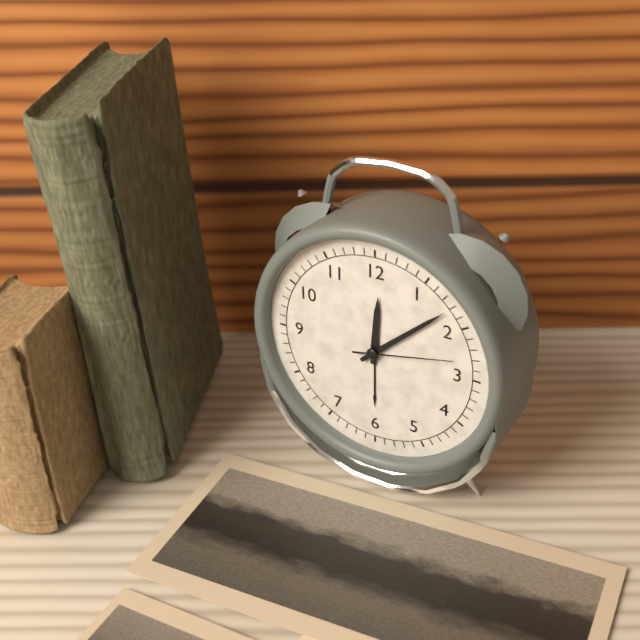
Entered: 12h08m13s
